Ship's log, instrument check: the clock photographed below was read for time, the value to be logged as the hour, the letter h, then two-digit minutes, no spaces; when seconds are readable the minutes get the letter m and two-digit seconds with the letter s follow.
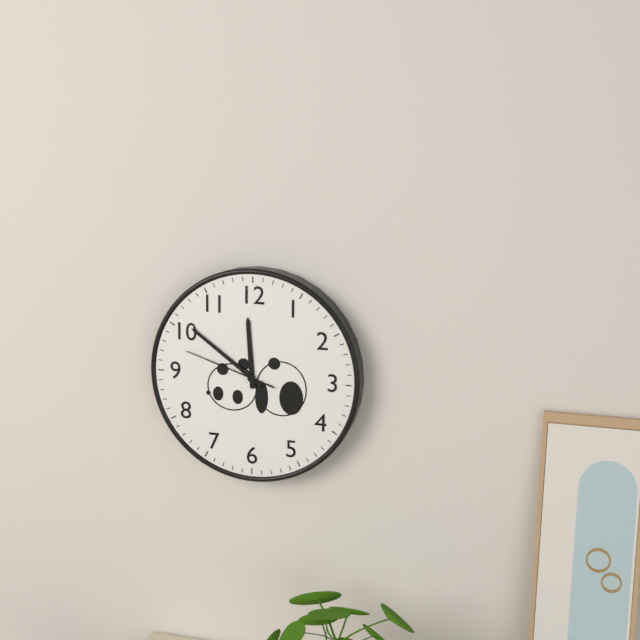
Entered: 11h51m48s
